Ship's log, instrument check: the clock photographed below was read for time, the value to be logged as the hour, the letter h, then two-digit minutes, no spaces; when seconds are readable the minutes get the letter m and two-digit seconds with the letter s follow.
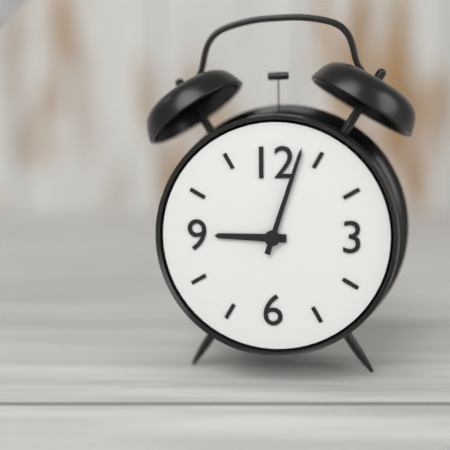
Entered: 9h03
